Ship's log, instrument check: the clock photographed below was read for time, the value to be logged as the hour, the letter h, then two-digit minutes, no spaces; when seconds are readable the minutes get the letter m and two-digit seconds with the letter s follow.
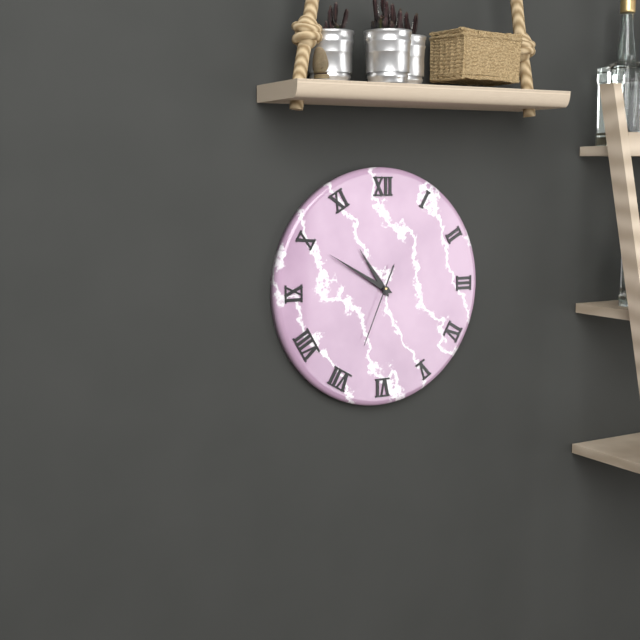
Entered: 10h50m34s
